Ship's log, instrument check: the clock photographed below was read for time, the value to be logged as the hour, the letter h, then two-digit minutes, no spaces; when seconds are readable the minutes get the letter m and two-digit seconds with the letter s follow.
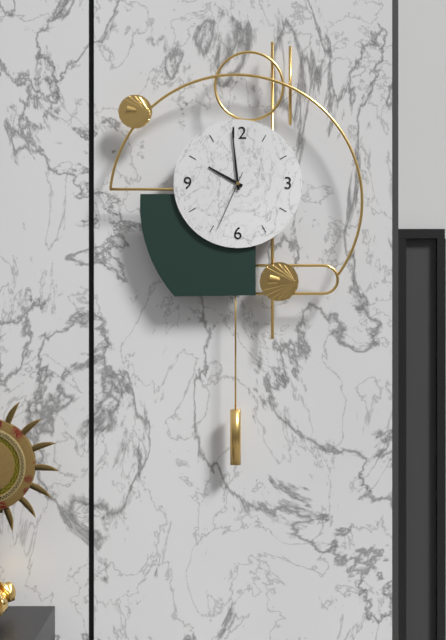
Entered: 9h59m34s
